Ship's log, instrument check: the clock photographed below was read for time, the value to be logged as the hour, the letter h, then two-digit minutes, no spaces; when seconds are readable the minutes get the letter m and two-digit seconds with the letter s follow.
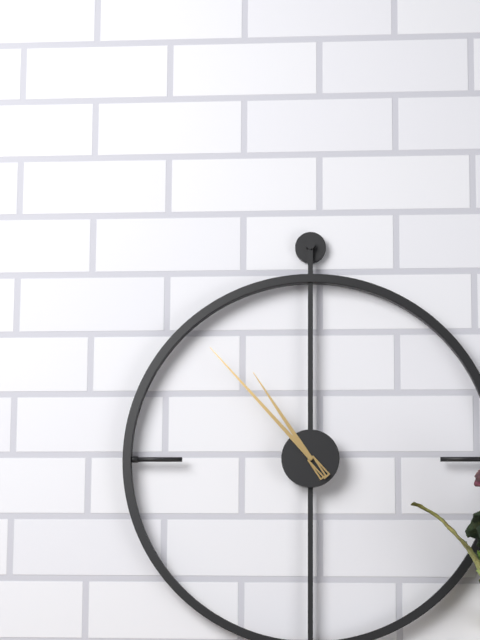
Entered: 10h53
